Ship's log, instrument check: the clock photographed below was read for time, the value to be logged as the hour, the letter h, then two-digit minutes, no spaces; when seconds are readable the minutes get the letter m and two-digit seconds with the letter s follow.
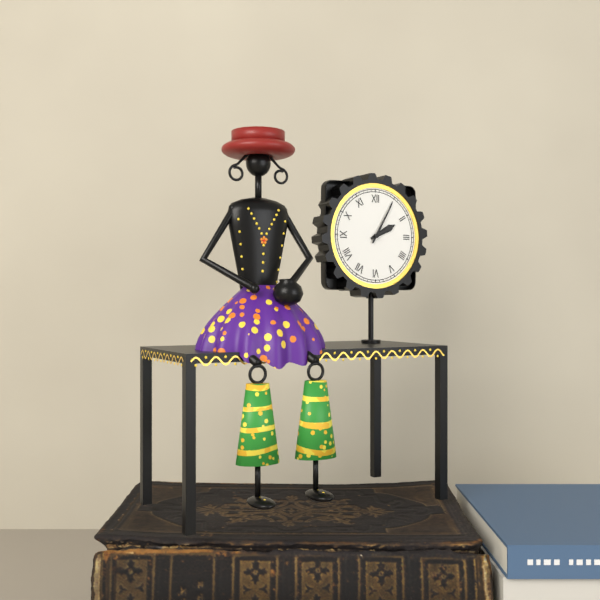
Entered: 2h05
